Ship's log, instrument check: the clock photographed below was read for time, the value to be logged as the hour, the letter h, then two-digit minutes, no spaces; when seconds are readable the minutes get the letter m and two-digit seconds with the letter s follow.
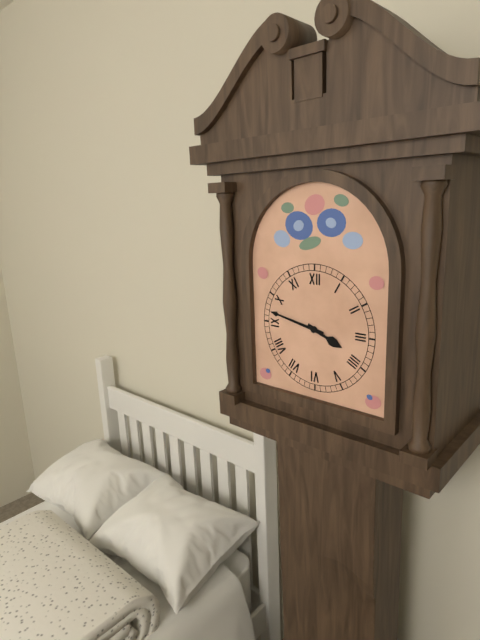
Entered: 3h47
